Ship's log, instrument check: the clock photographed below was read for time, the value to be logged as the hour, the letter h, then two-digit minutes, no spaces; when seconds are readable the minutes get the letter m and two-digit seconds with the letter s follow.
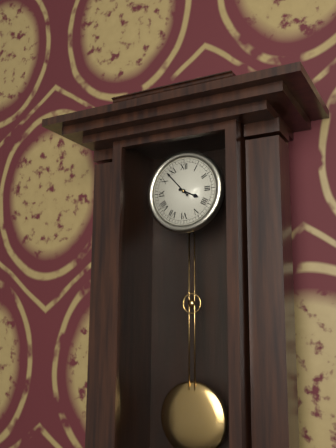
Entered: 3h53
